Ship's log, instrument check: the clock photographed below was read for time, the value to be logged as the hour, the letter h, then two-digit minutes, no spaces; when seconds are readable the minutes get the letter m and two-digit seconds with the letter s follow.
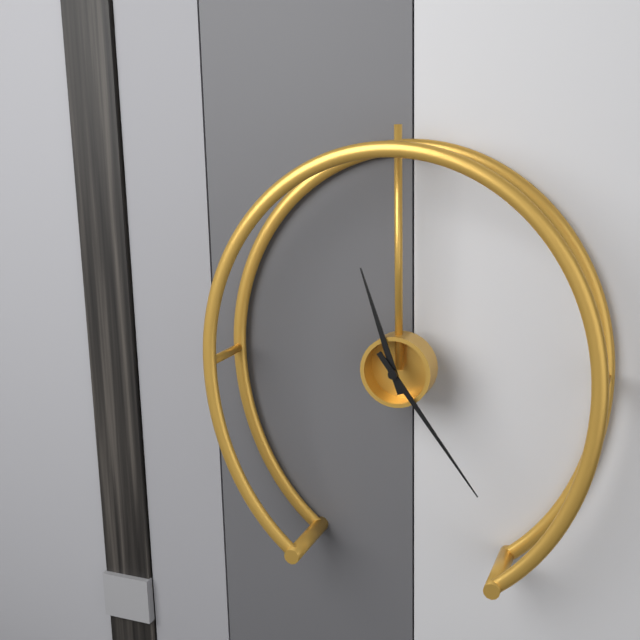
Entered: 11h24
